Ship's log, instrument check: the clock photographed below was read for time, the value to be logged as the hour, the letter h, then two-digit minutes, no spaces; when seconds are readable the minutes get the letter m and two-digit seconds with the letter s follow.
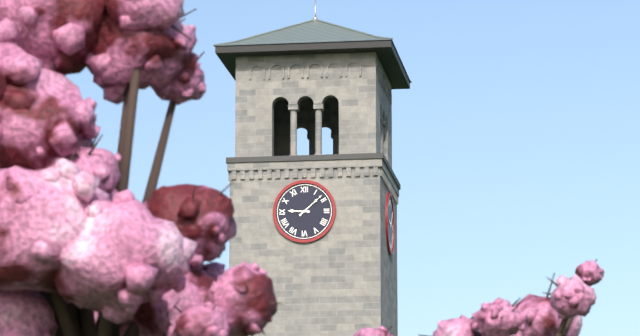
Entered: 9h08
